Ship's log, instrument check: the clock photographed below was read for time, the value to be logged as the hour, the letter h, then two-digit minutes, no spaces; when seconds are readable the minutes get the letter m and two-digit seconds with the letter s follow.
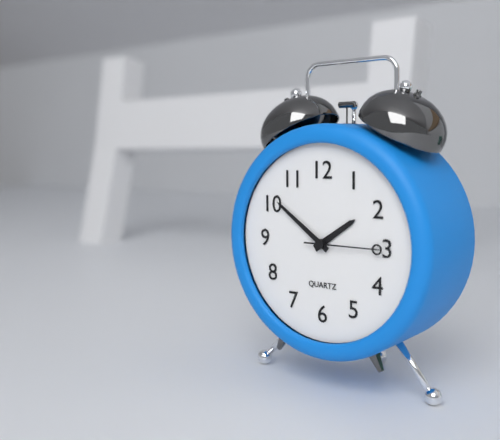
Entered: 1h51m15s
